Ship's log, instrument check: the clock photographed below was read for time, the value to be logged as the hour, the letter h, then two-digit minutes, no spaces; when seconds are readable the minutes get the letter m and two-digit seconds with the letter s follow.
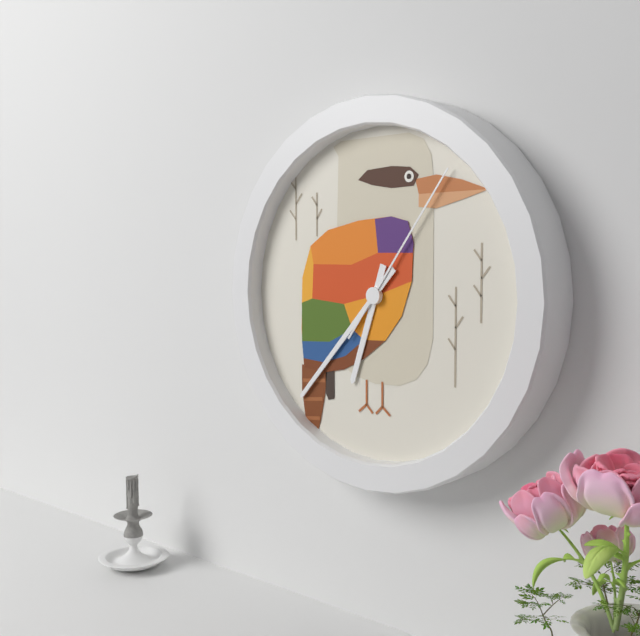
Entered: 6h37m06s
